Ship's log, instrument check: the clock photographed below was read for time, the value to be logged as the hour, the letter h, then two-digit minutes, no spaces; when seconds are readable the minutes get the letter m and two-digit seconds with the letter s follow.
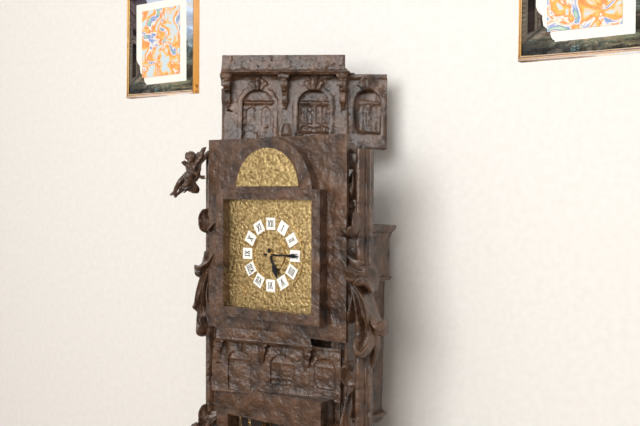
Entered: 5h15
